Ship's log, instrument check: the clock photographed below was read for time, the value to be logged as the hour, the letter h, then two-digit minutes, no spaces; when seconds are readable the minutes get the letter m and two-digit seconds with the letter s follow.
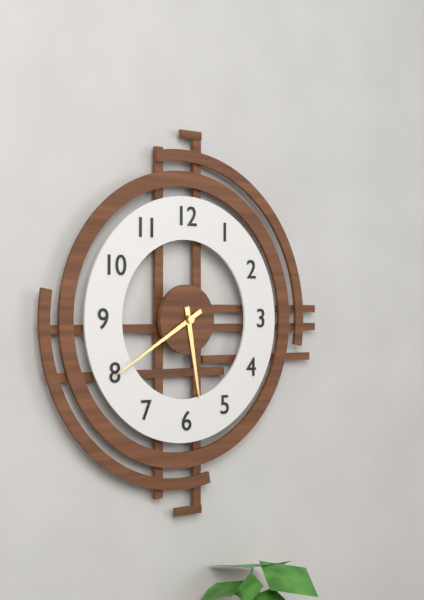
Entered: 5h40
